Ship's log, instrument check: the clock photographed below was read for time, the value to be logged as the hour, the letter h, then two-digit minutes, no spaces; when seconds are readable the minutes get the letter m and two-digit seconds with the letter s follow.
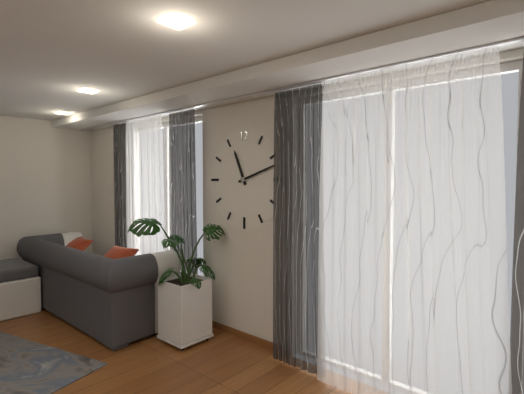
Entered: 11h12
